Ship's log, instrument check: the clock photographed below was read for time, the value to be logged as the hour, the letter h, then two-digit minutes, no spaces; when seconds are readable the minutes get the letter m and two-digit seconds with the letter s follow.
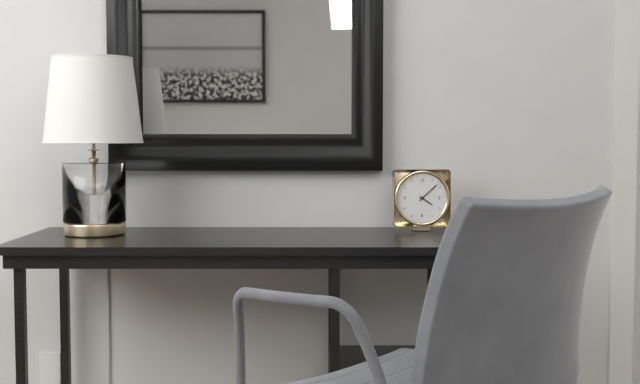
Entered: 4h08
